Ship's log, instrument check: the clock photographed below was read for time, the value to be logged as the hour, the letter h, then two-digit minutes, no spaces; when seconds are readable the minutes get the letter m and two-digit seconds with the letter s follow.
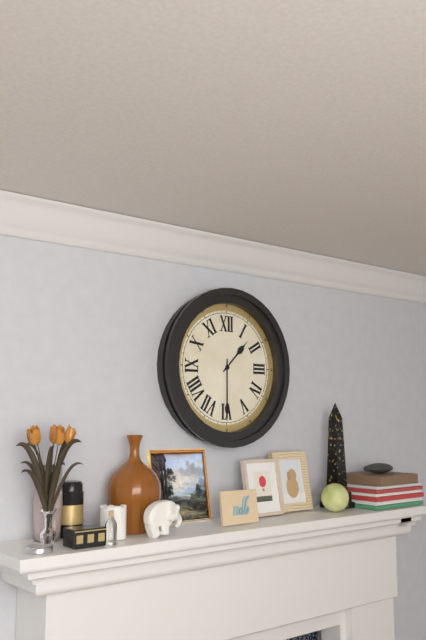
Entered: 1h30
